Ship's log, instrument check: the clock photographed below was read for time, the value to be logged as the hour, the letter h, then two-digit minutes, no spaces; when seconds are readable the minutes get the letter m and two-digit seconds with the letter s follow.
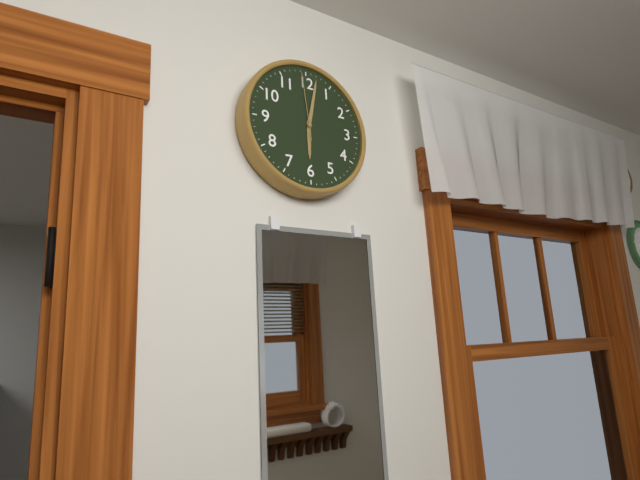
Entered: 6h02m59s
